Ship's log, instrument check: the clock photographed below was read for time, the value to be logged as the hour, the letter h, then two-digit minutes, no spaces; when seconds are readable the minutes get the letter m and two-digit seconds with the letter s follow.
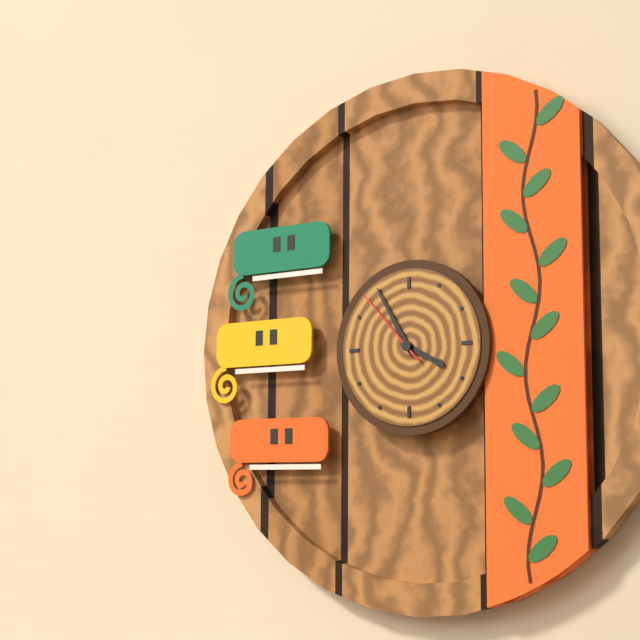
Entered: 3h55m53s
